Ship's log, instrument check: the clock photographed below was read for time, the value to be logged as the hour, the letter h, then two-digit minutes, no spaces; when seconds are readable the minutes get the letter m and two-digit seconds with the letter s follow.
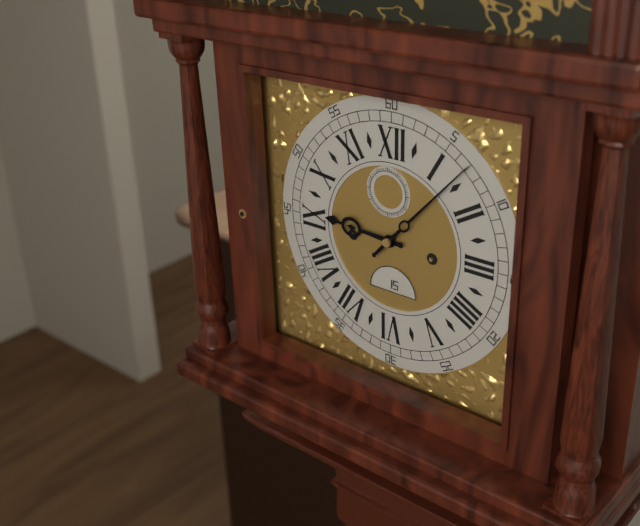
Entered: 9h07
